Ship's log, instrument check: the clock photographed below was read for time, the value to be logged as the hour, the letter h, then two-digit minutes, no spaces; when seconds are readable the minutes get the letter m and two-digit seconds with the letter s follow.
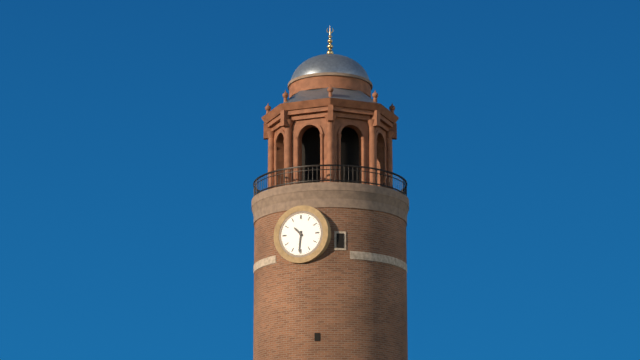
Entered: 10h31
